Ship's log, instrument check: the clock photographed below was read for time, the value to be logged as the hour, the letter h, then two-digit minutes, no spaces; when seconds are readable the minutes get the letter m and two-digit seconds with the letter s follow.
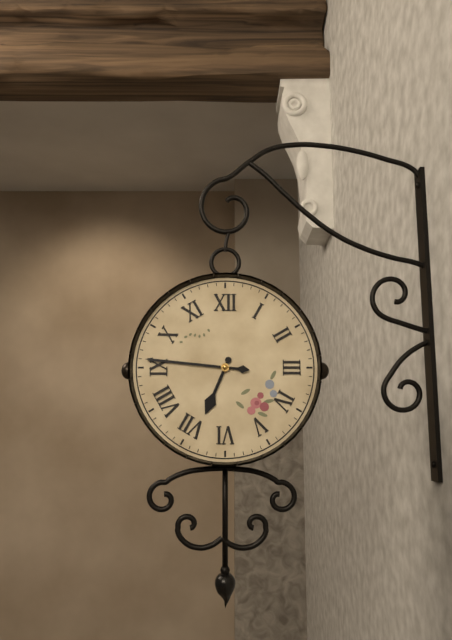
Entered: 6h46
